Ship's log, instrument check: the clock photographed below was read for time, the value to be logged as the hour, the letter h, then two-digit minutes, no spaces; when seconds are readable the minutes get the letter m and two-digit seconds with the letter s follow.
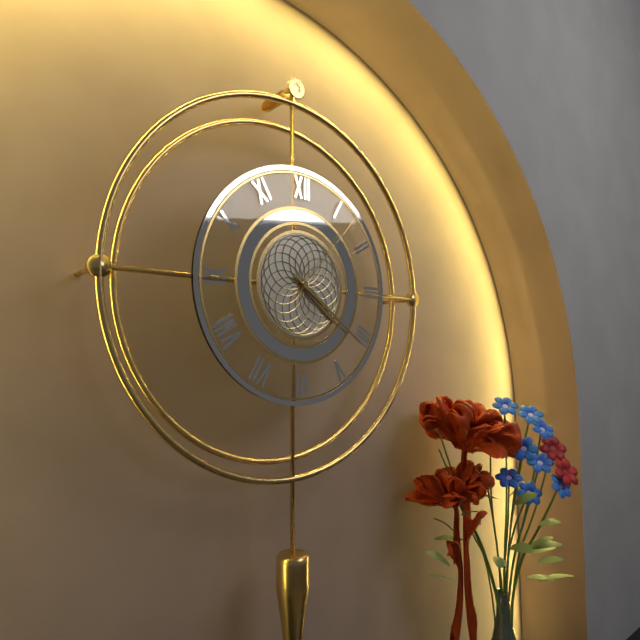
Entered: 4h21m07s
